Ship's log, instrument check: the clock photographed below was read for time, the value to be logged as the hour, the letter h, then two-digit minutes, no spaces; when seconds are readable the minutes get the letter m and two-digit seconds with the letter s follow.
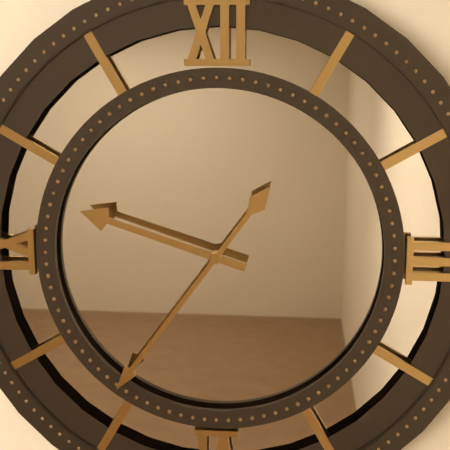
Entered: 9h36
